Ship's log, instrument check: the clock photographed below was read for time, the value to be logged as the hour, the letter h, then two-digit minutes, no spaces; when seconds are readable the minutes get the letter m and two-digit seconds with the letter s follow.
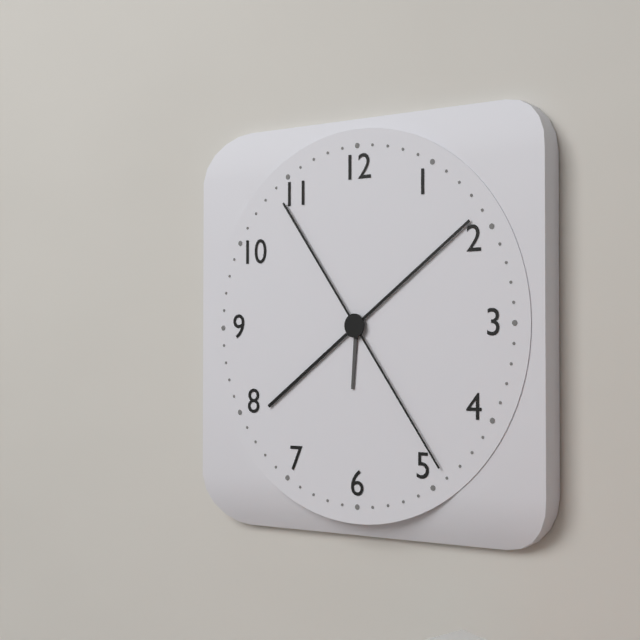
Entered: 6h09m24s
